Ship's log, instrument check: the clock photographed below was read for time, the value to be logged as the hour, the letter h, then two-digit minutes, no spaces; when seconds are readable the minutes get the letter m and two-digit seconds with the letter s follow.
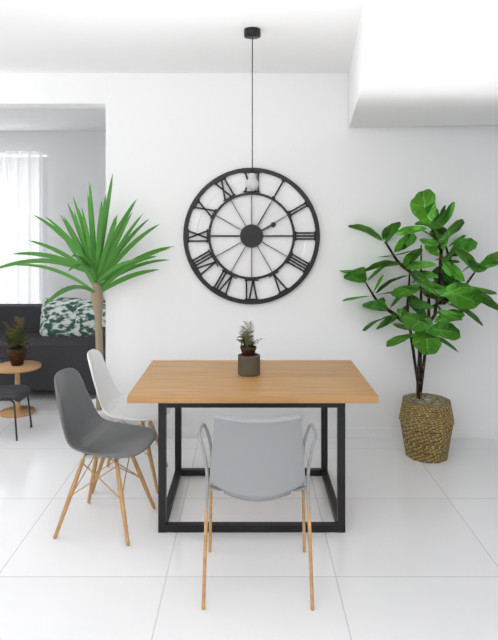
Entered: 2h05
